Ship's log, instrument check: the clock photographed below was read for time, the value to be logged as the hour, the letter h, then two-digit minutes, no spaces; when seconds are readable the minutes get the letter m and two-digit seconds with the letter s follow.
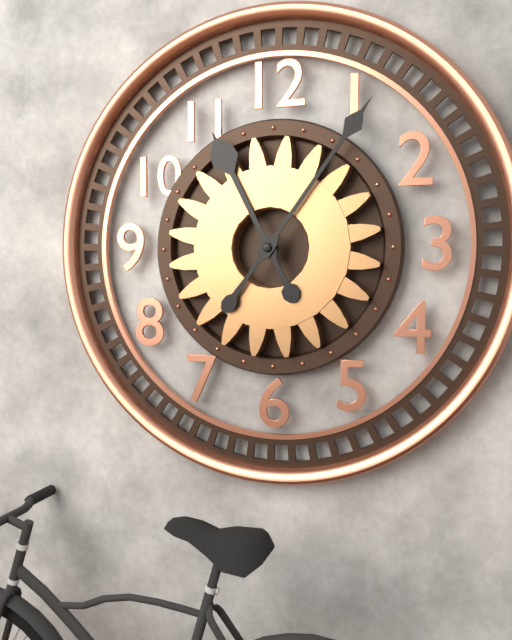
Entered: 11h06
